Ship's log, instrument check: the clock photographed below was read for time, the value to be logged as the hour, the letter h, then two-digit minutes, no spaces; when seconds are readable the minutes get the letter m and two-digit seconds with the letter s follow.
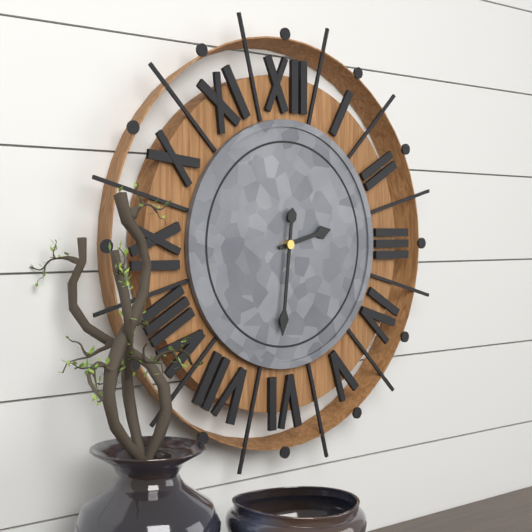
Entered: 2h31
